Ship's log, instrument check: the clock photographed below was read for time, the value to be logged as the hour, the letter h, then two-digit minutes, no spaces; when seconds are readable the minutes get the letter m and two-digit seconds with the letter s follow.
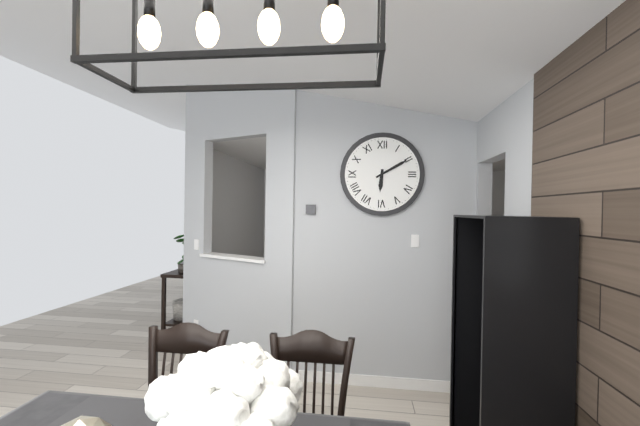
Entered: 6h10
